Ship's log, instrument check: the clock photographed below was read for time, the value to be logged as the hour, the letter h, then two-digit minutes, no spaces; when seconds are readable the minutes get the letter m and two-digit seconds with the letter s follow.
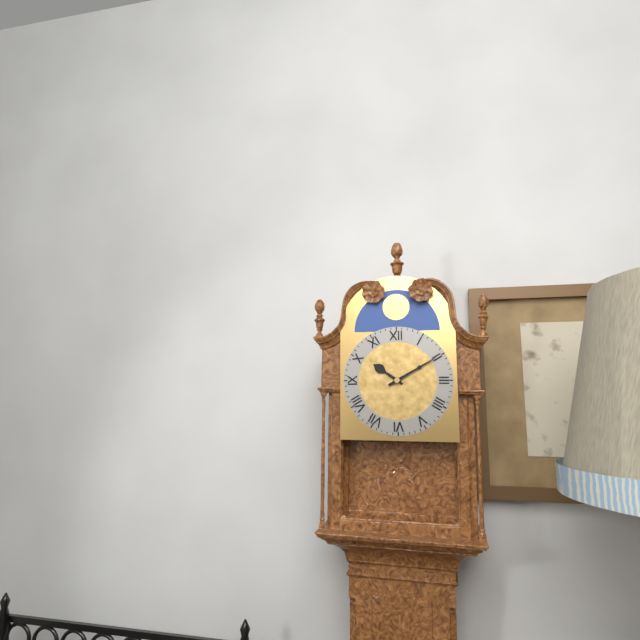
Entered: 10h10
